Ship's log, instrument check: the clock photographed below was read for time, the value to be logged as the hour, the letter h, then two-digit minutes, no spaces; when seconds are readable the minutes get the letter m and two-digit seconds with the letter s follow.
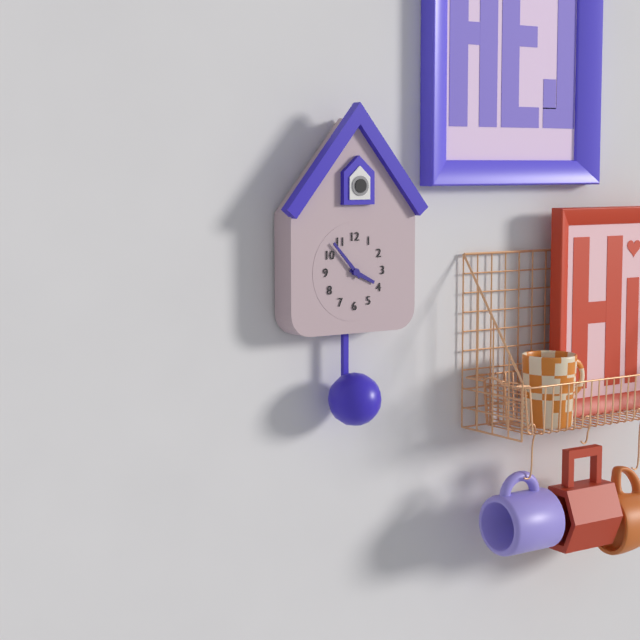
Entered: 3h53
